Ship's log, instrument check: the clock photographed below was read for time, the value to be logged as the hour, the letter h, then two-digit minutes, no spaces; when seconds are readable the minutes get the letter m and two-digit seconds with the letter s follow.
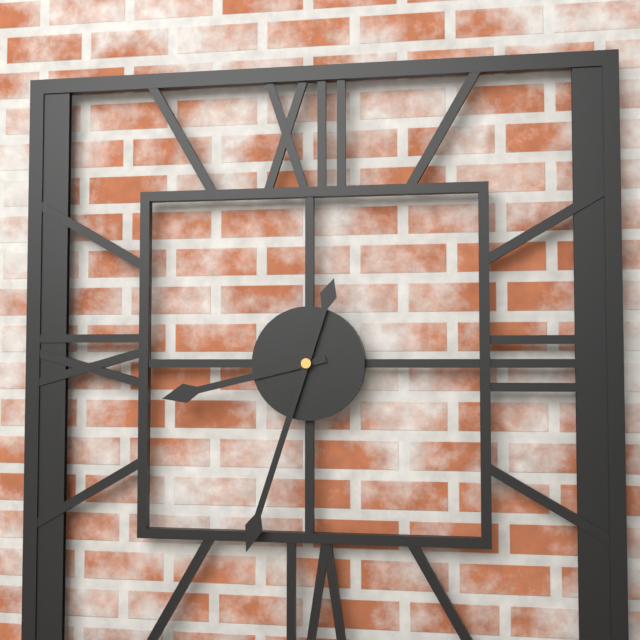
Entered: 8h33
